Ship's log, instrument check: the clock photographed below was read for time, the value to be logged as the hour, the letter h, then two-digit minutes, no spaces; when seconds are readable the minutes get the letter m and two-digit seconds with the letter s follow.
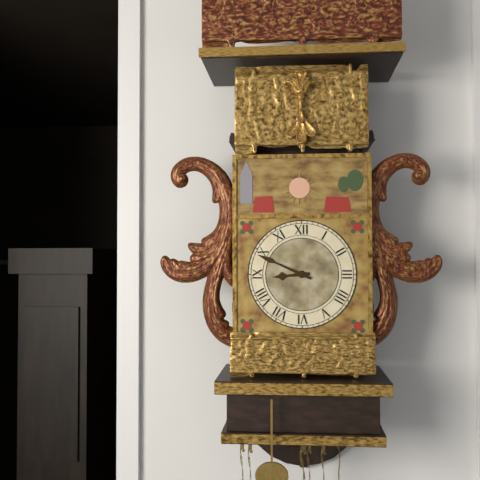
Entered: 8h49
